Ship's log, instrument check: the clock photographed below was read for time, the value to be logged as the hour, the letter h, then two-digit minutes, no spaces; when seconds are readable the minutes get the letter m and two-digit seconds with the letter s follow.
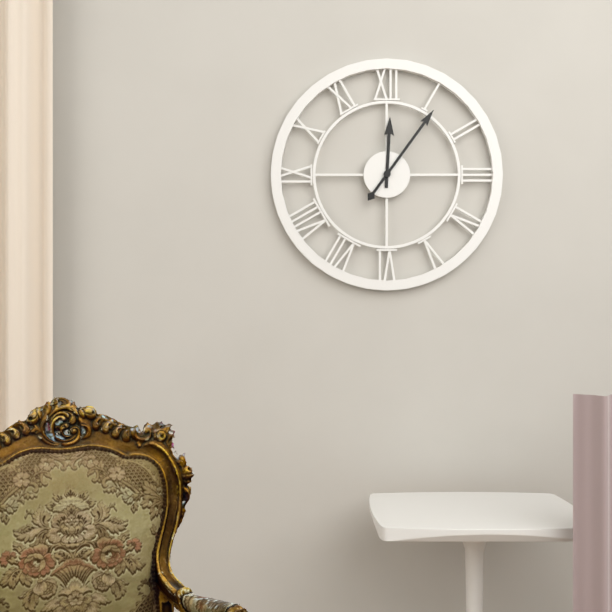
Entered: 12h06
